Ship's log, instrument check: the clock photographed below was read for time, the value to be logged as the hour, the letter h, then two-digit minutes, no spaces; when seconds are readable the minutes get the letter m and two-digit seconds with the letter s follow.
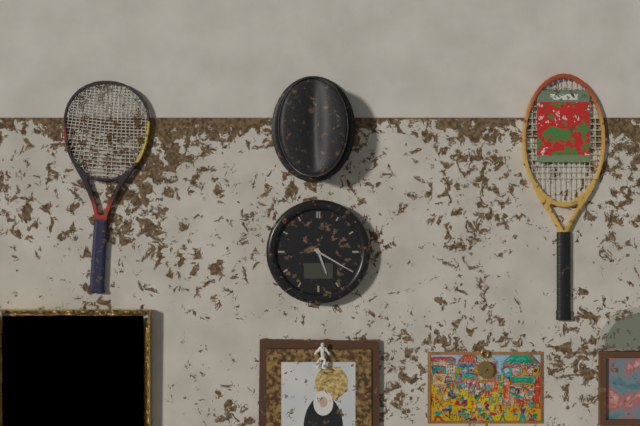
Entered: 5h20
